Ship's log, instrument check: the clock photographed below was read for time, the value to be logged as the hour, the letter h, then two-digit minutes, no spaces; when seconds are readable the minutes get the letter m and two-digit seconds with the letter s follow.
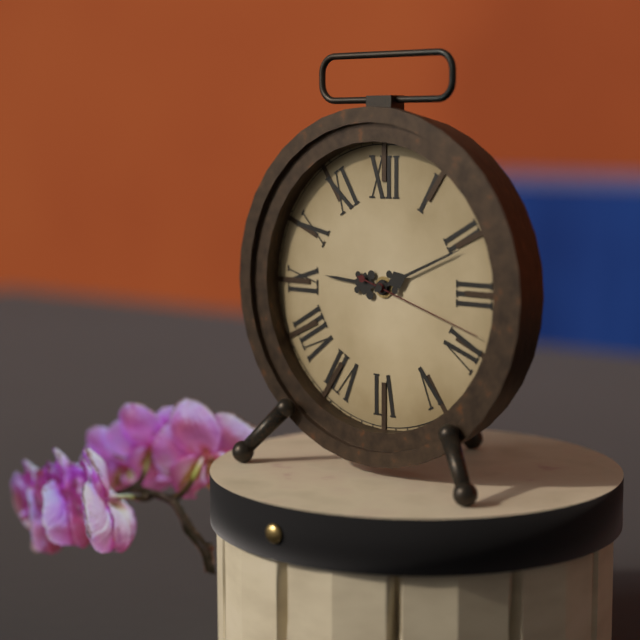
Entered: 9h11m18s
